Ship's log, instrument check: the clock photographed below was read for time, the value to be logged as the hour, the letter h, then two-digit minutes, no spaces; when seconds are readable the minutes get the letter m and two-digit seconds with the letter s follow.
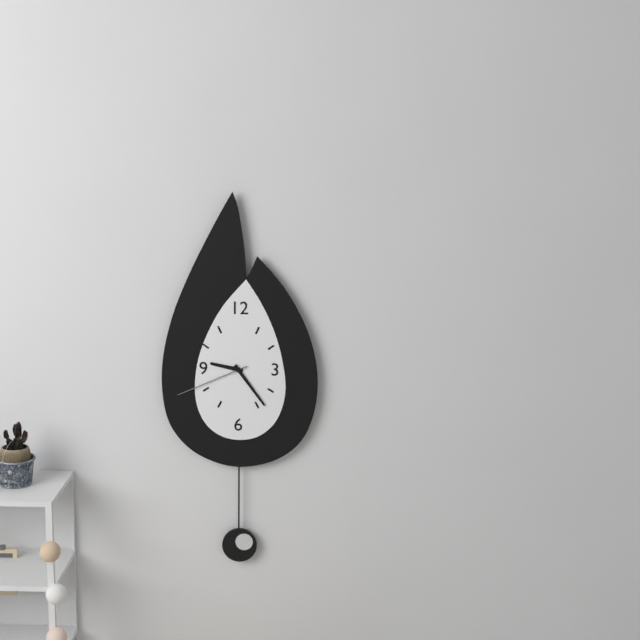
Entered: 9h24m41s
